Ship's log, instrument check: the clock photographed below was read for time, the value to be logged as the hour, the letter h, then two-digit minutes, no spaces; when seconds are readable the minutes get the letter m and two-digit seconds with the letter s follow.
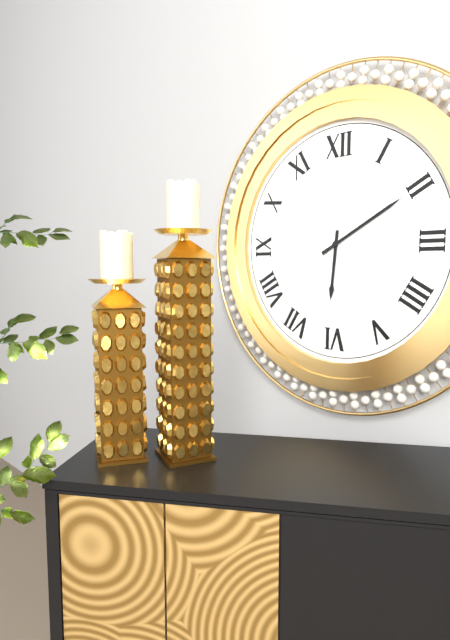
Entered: 6h10
